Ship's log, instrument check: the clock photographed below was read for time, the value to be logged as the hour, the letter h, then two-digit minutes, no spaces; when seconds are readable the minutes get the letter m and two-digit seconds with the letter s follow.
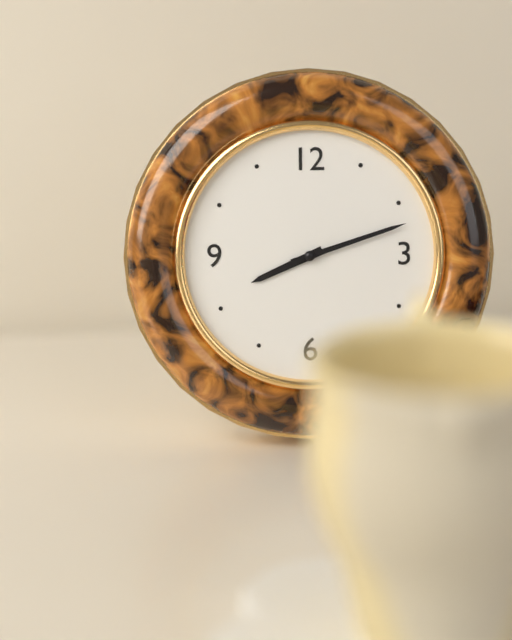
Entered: 8h12
